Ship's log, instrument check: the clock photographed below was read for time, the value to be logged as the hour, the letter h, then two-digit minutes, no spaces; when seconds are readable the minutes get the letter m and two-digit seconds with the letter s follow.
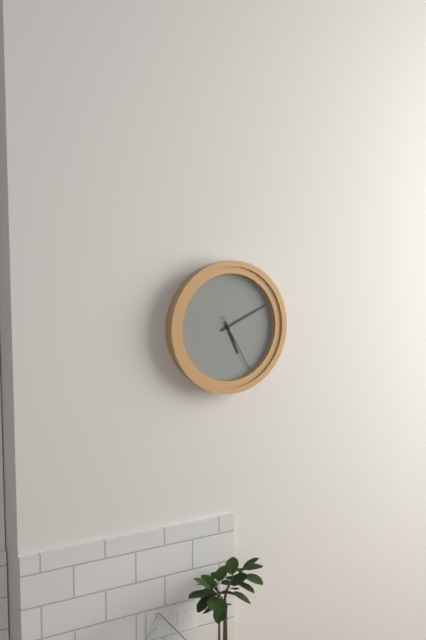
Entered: 5h11m25s
